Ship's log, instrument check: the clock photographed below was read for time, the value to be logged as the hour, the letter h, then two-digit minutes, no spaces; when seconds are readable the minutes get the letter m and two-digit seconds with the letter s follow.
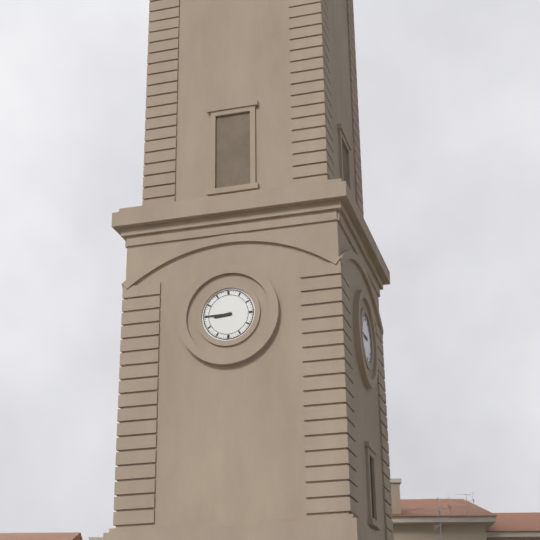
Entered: 8h45
